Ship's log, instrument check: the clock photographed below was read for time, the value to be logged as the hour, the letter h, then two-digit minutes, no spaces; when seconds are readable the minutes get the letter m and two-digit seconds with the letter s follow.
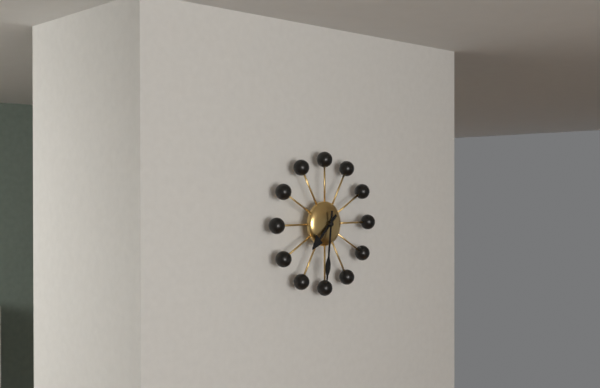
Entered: 7h31
